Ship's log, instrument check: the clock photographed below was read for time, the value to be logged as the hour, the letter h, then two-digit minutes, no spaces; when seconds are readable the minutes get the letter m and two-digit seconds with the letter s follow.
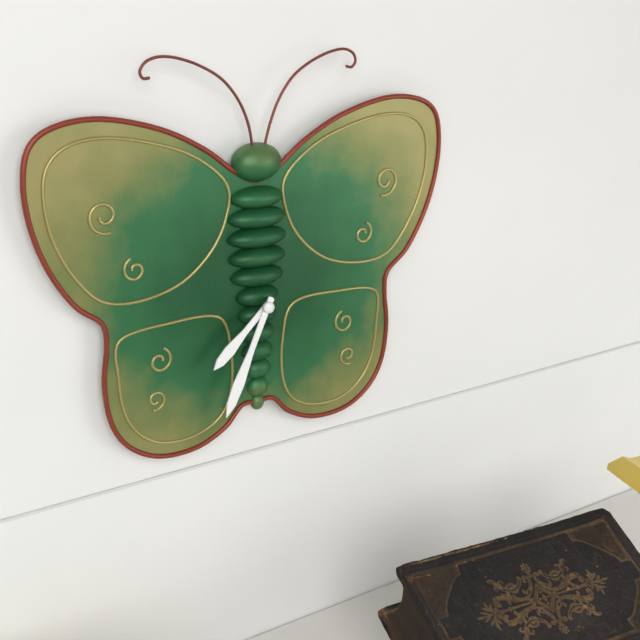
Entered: 7h34
